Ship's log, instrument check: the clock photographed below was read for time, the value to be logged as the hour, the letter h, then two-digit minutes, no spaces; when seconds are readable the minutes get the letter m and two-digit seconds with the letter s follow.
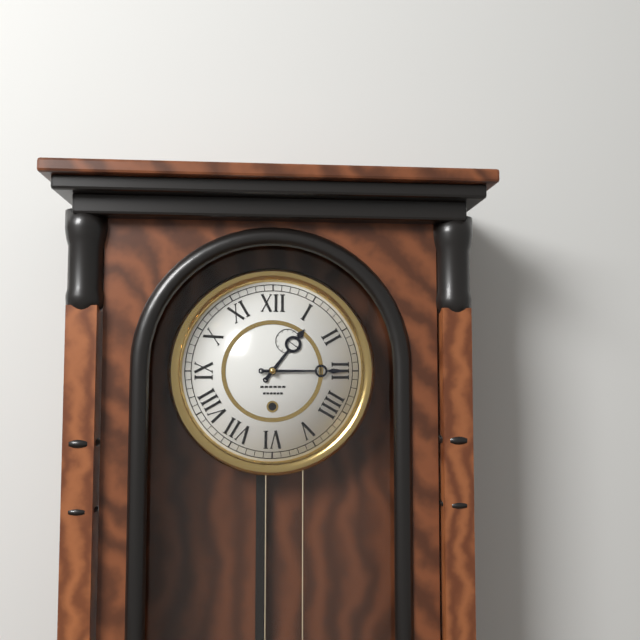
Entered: 1h15
